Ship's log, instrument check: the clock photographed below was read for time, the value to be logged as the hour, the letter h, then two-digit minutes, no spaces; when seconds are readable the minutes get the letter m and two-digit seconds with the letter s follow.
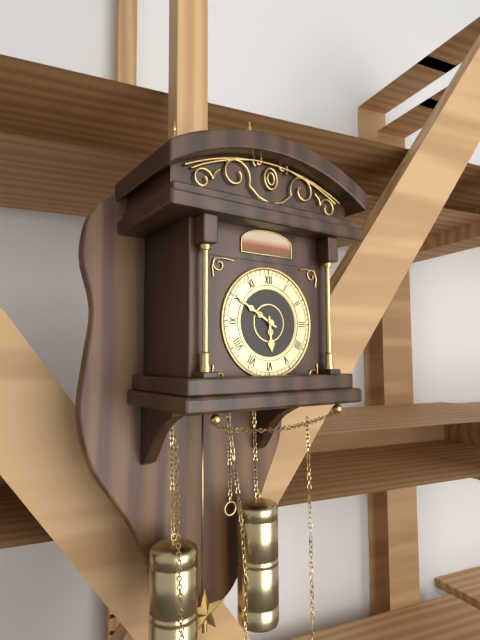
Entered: 5h50
